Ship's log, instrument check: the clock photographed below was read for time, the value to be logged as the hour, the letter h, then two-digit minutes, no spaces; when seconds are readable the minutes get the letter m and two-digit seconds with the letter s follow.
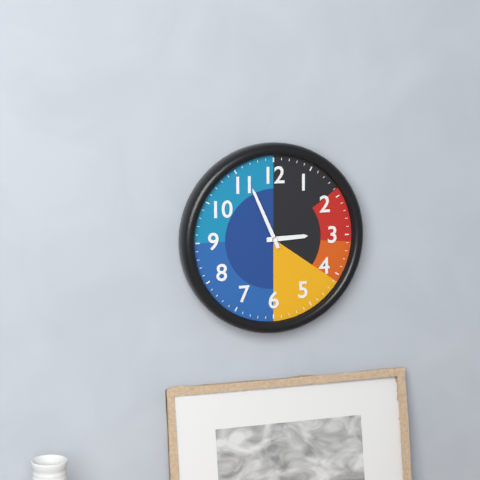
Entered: 2h56
